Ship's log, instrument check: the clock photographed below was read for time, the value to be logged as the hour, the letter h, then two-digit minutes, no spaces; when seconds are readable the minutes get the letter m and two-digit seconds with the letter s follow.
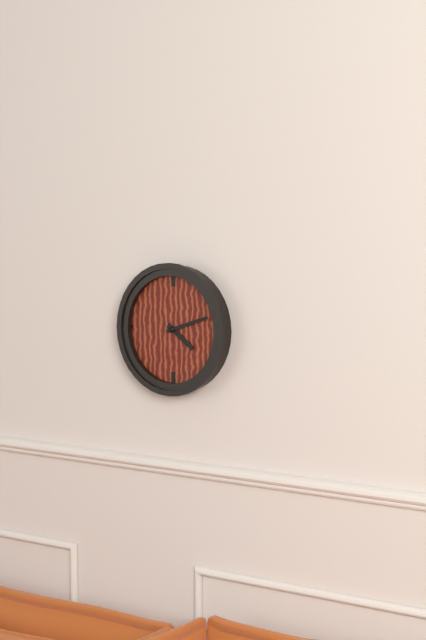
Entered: 4h12
